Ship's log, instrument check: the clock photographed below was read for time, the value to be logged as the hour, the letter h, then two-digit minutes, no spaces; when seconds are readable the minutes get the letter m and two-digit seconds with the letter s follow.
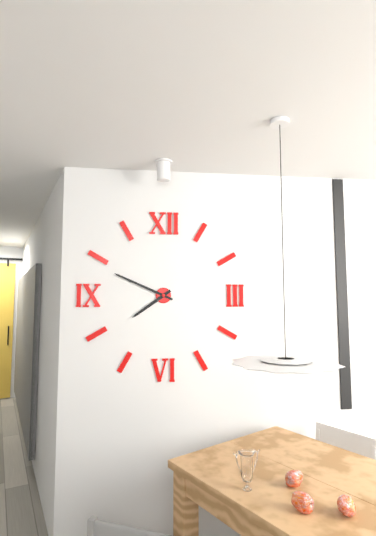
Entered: 7h49
